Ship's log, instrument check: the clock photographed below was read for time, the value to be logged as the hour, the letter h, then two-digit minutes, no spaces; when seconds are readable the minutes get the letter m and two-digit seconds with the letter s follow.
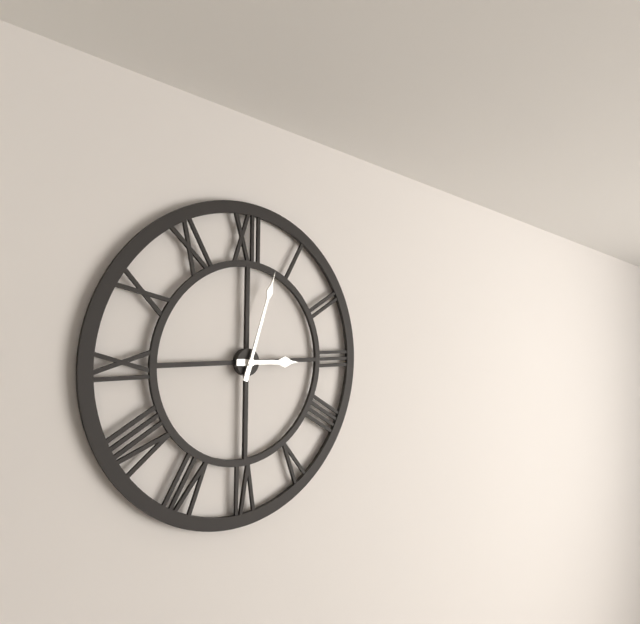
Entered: 3h03
